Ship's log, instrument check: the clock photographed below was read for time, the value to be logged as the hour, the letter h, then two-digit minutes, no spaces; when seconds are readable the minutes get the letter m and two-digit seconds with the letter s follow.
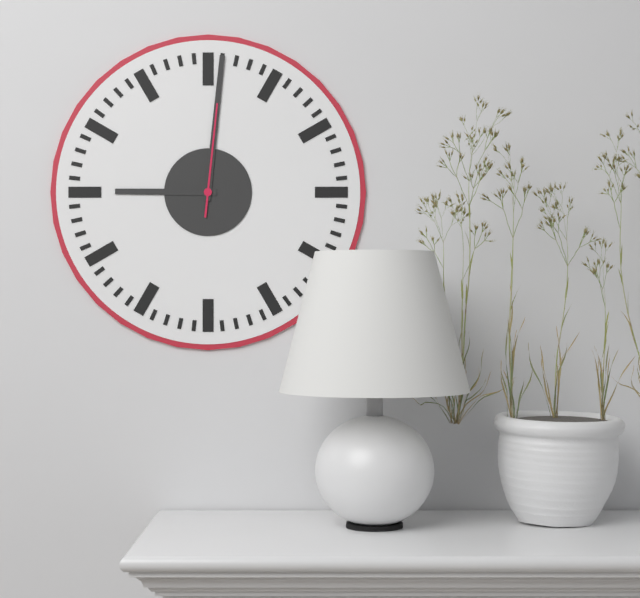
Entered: 9h01m01s
